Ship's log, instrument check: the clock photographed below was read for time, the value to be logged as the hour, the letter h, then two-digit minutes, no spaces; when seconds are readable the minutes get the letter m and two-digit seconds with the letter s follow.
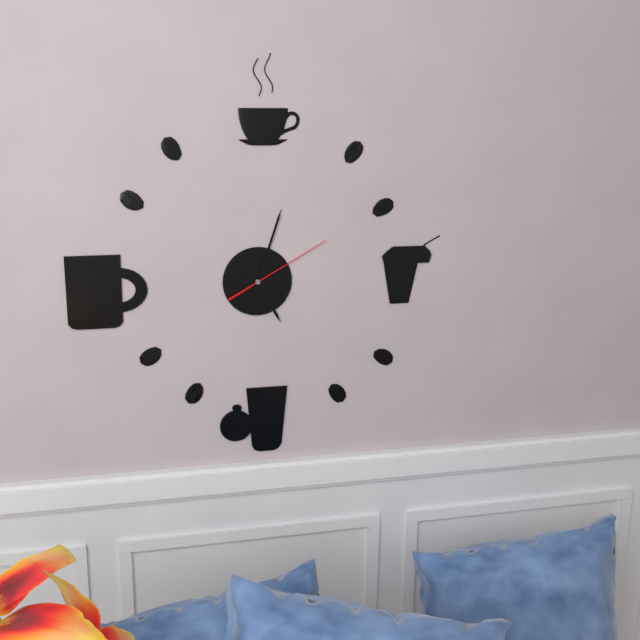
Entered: 5h03m10s
